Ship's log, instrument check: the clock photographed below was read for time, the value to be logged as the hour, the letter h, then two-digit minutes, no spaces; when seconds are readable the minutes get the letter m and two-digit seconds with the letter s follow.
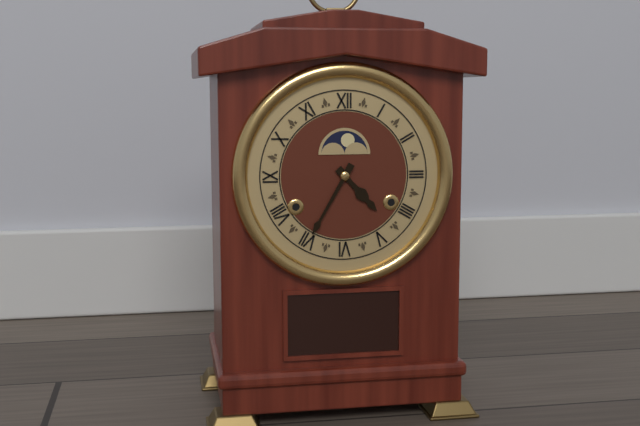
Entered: 4h35
